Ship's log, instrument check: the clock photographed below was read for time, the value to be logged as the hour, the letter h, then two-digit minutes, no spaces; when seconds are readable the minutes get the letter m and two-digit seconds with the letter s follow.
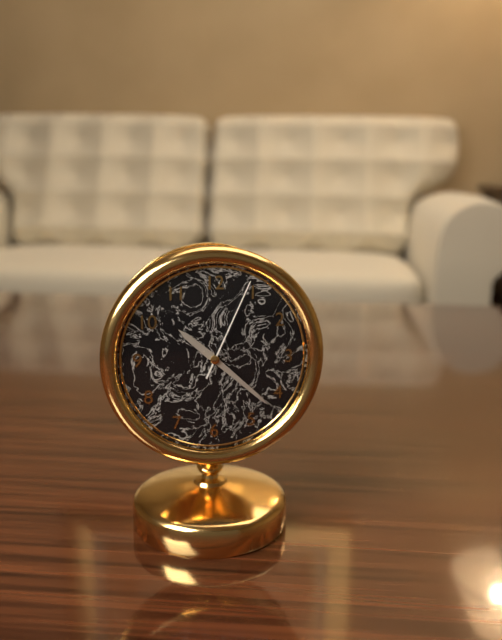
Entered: 10h22m04s
